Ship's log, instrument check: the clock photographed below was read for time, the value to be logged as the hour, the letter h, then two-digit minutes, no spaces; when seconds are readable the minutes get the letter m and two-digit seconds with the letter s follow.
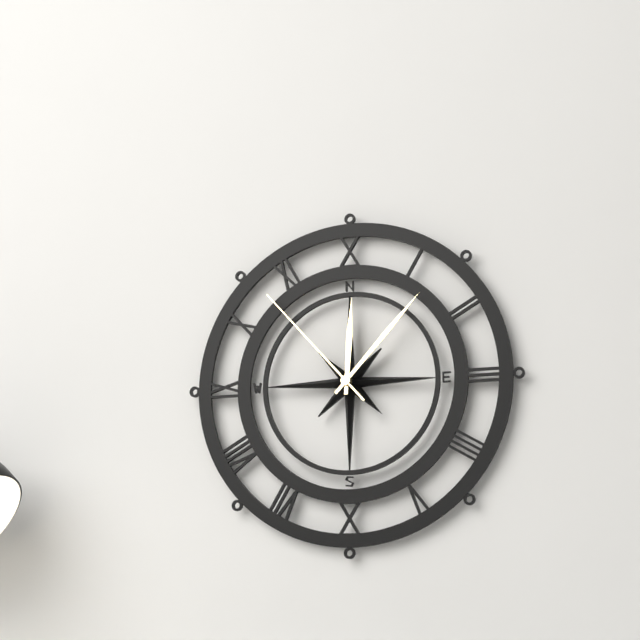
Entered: 12h07m53s
